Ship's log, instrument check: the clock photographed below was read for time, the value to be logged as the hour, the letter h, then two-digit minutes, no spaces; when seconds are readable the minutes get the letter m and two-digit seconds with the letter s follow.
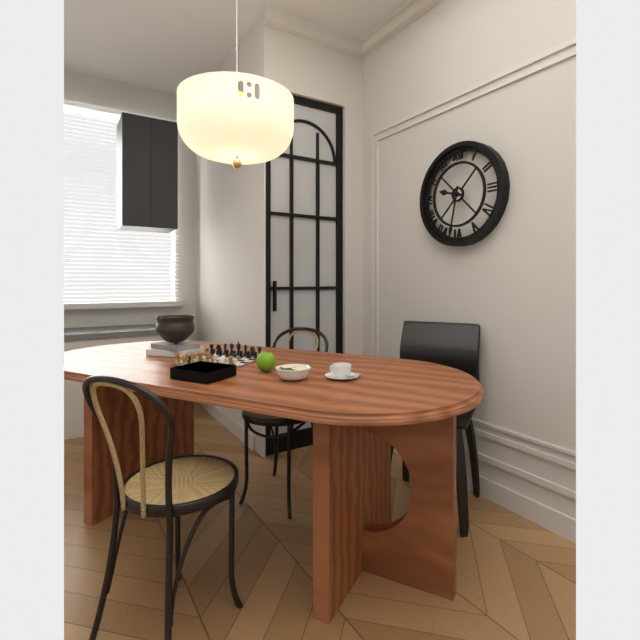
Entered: 9h32
